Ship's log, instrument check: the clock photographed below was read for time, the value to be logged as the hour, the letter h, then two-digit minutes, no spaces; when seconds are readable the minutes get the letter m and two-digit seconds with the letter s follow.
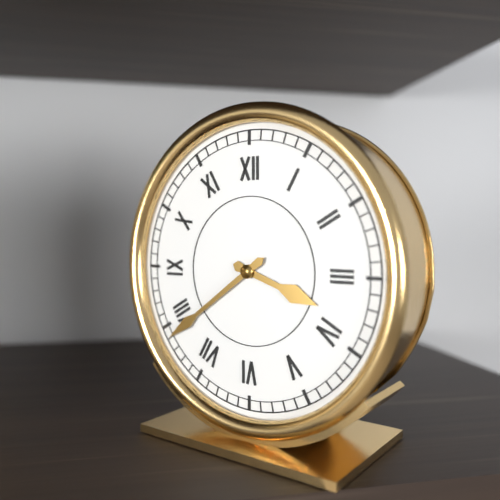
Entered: 3h39
